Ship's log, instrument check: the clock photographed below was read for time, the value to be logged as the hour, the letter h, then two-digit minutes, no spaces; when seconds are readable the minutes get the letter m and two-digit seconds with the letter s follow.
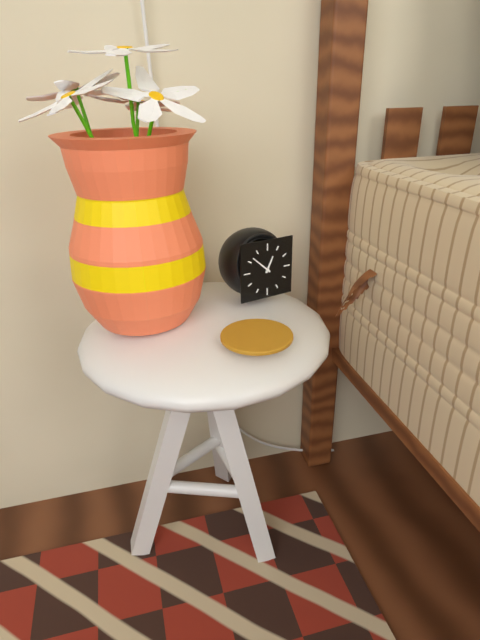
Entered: 12h52
